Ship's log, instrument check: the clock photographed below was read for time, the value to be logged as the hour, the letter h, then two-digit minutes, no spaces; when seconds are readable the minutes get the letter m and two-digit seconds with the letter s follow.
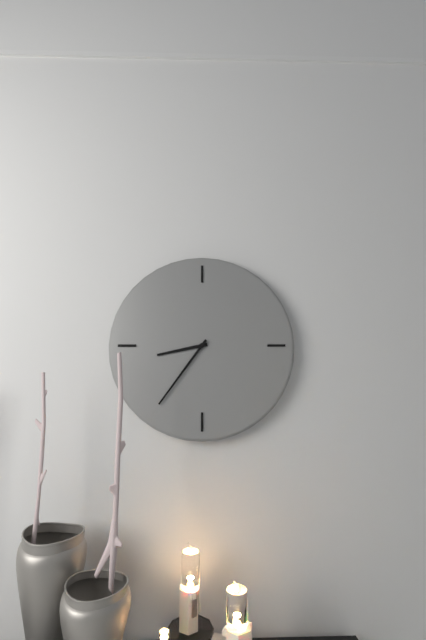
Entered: 8h36
